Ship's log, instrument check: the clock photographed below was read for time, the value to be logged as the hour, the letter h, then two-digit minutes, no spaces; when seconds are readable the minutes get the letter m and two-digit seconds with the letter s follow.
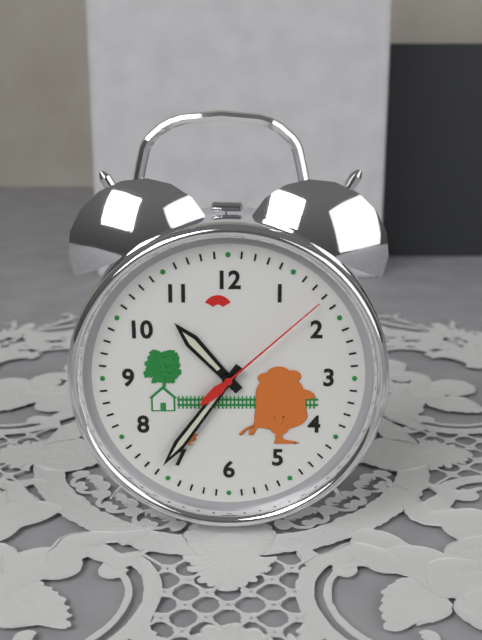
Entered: 10h36m08s
